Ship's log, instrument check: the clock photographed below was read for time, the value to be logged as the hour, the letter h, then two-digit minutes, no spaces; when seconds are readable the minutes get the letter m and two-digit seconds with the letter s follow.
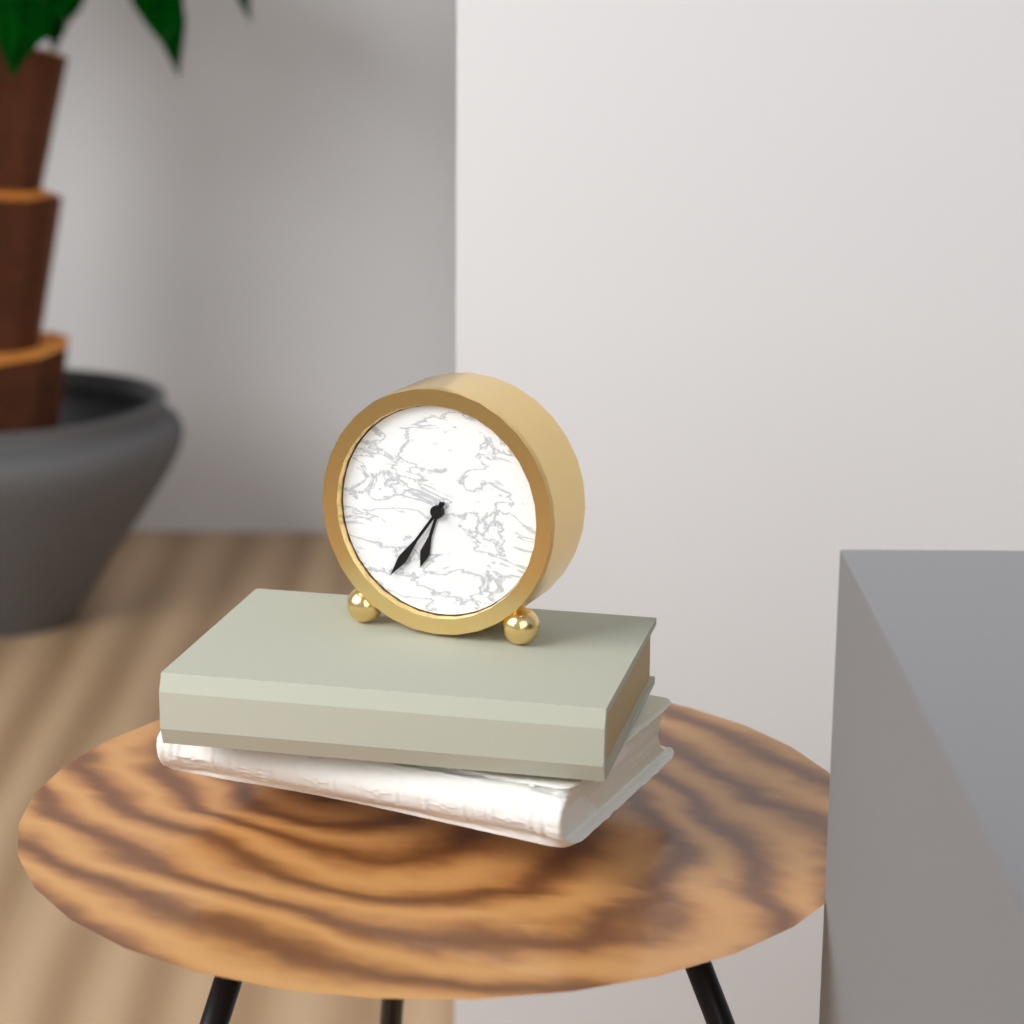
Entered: 6h36
